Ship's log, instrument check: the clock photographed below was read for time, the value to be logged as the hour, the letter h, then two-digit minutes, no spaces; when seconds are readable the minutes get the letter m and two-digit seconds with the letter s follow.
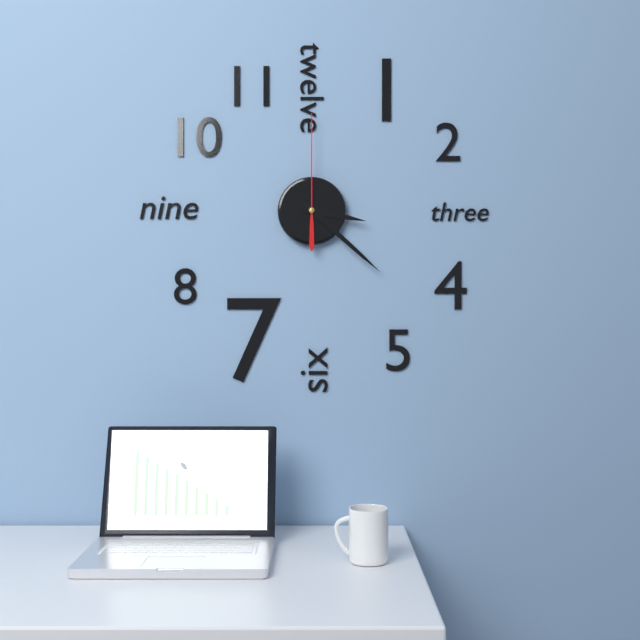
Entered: 3h22m00s
